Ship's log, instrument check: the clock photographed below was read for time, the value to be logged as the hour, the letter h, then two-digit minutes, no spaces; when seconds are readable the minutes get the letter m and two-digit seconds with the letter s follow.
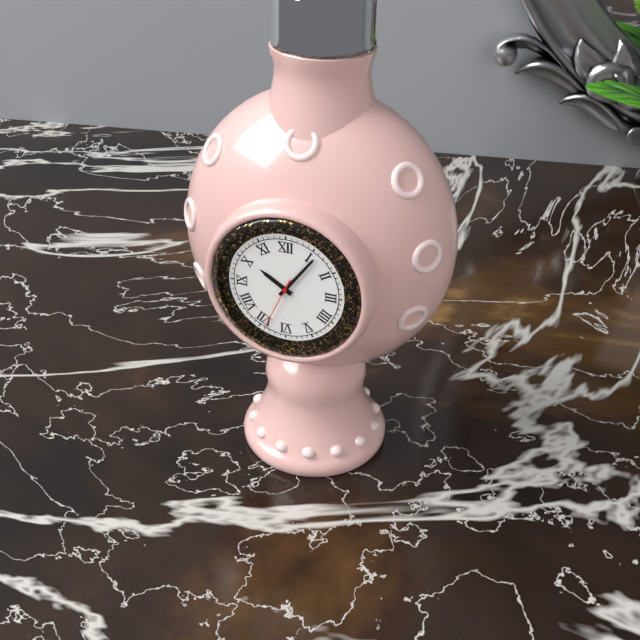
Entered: 10h06m34s
